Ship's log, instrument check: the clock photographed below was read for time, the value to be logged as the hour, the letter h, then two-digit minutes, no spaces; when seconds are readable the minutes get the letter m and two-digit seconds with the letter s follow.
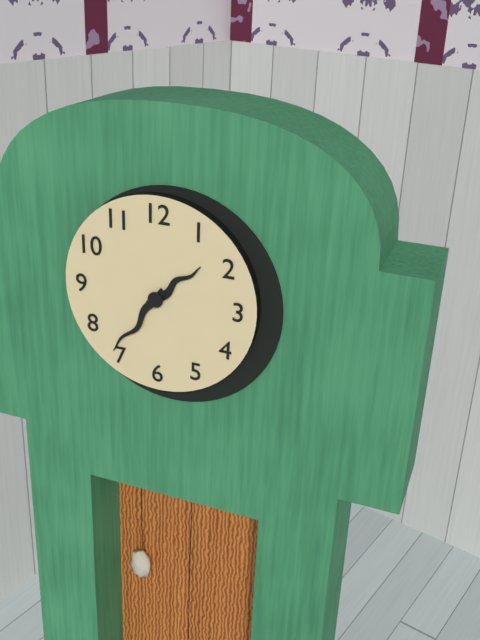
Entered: 1h36
